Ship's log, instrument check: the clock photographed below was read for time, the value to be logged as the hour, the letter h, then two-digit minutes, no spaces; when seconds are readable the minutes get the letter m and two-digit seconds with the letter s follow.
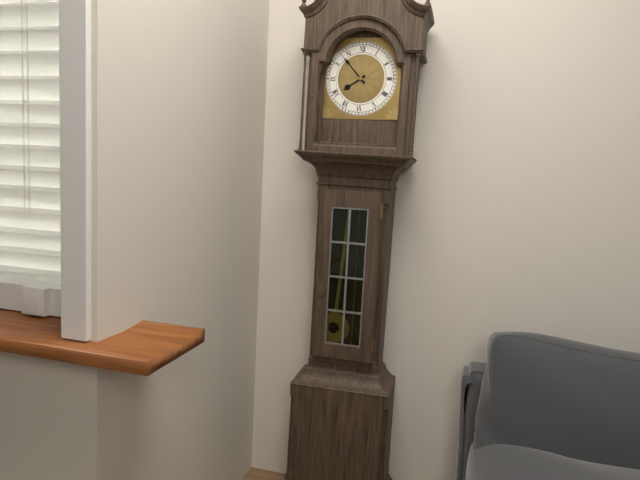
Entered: 7h53
